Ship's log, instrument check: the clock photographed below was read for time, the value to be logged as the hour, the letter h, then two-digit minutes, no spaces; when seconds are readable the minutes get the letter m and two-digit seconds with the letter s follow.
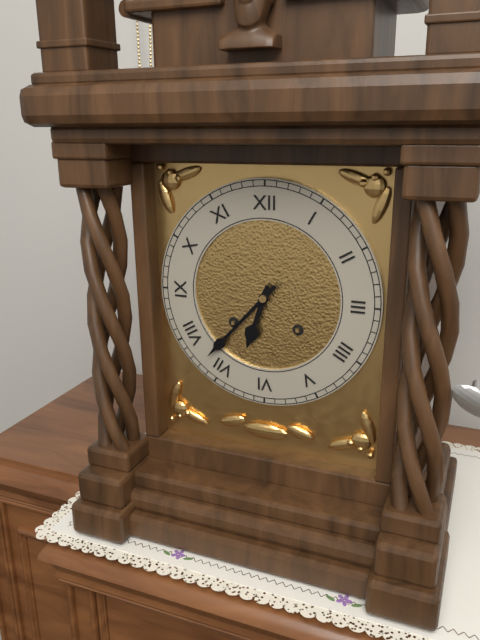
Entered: 6h37
